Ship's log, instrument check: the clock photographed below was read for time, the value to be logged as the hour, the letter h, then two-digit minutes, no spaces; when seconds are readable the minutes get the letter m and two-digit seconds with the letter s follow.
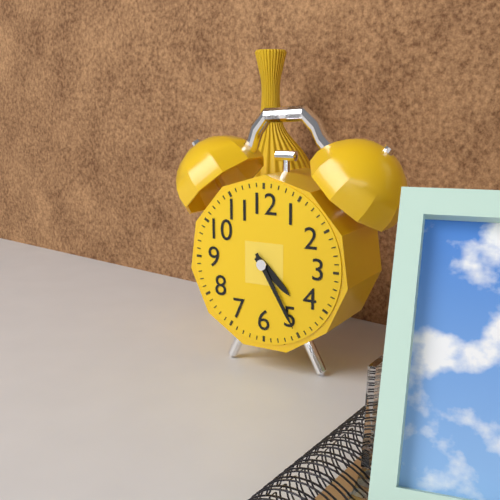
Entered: 4h25
